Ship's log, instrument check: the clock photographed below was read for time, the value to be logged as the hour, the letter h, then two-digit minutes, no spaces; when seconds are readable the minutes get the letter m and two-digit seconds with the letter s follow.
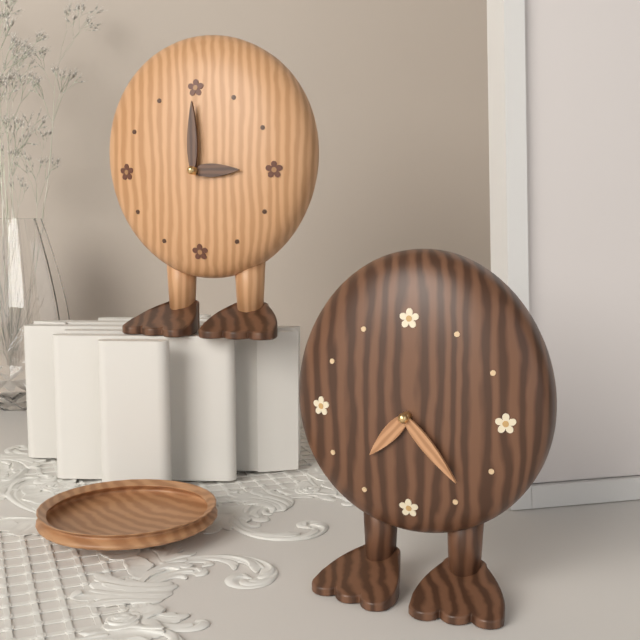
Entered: 7h23
